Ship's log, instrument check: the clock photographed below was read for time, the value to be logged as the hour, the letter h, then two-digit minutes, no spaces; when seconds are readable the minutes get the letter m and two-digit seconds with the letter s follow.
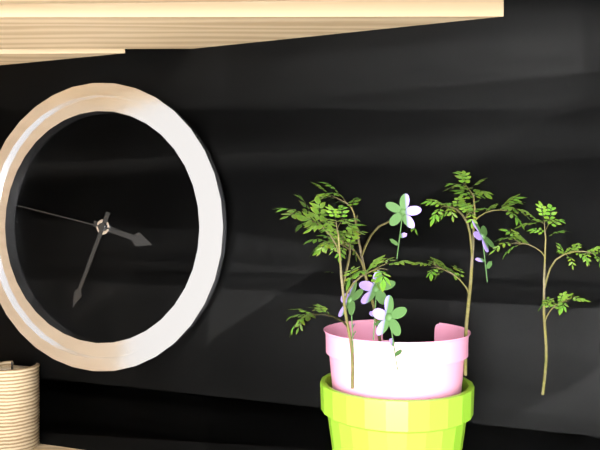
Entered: 3h34m47s
